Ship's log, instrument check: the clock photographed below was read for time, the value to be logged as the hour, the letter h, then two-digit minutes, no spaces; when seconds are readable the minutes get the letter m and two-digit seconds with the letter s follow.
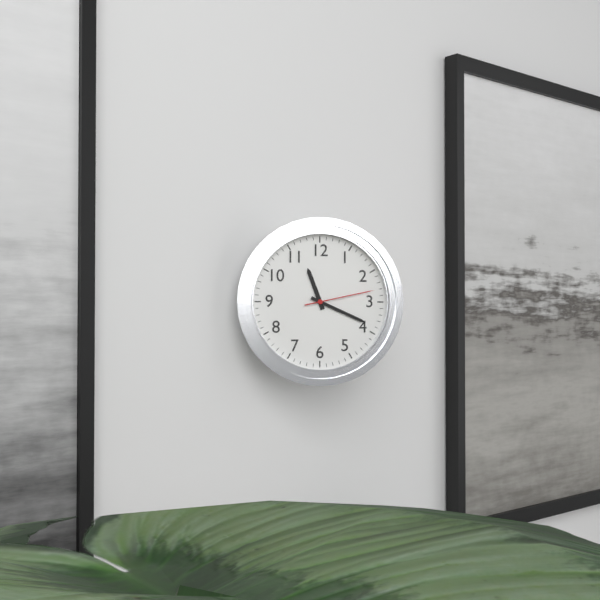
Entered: 11h19m13s
